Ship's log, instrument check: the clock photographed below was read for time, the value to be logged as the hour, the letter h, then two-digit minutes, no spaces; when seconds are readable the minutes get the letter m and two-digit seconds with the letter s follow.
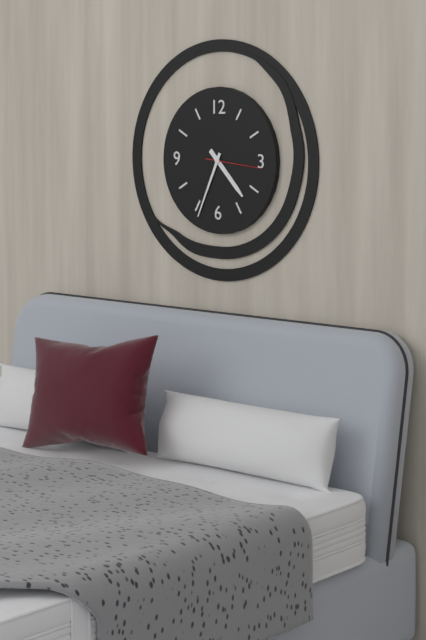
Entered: 4h34
